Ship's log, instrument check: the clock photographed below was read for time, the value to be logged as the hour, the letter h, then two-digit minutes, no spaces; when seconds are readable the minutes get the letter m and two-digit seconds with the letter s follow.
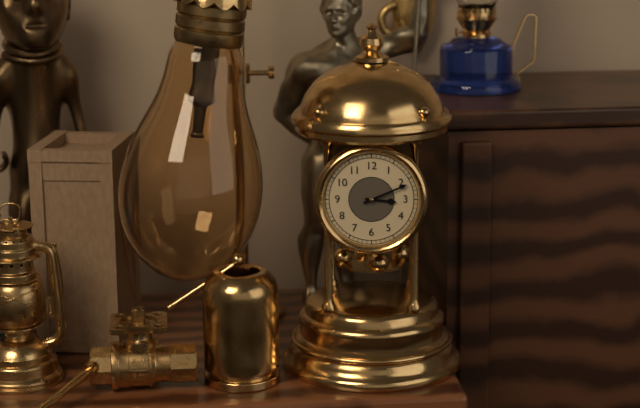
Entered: 3h11
